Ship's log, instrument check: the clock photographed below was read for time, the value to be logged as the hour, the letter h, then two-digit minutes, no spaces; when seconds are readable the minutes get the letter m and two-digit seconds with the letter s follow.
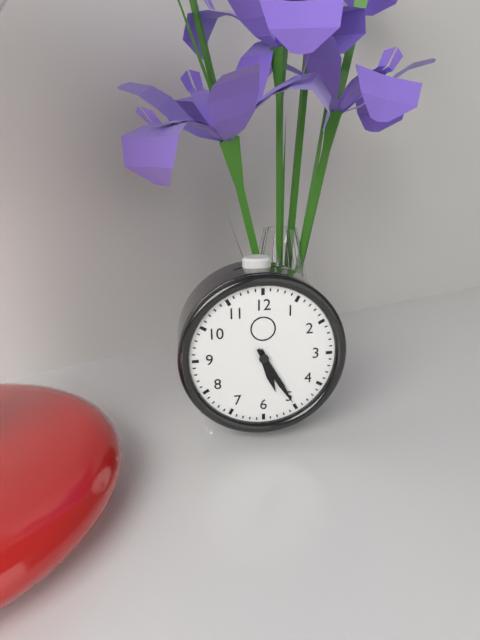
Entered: 5h25
